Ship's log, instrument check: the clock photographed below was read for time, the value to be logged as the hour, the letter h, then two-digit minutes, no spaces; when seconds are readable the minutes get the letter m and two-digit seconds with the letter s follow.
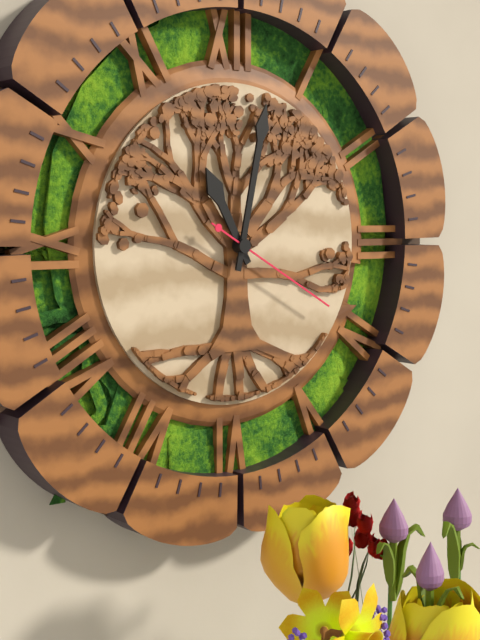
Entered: 11h02m20s
